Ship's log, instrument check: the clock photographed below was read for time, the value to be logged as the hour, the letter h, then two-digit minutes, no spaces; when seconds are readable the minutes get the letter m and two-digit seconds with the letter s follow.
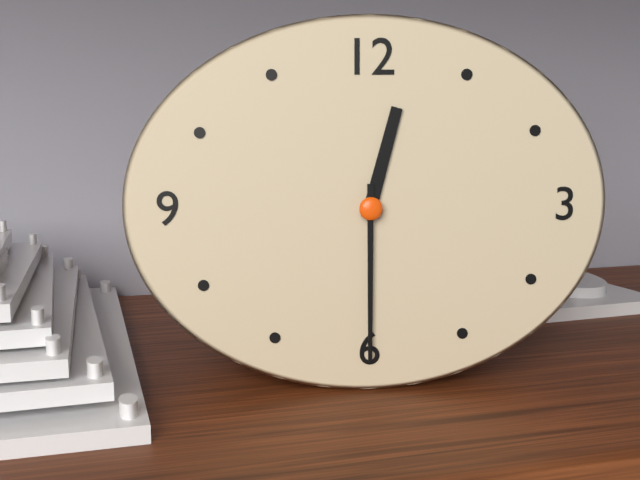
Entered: 12h30
